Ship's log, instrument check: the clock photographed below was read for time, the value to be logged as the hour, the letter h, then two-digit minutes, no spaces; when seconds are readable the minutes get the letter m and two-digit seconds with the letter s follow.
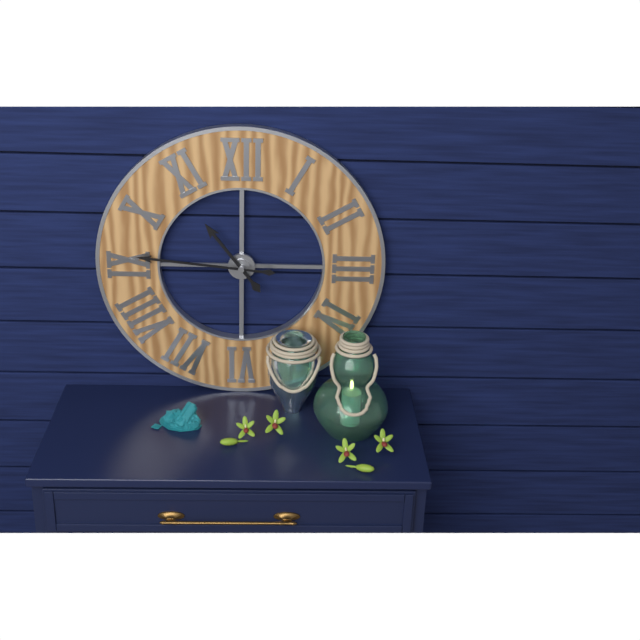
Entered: 10h46
